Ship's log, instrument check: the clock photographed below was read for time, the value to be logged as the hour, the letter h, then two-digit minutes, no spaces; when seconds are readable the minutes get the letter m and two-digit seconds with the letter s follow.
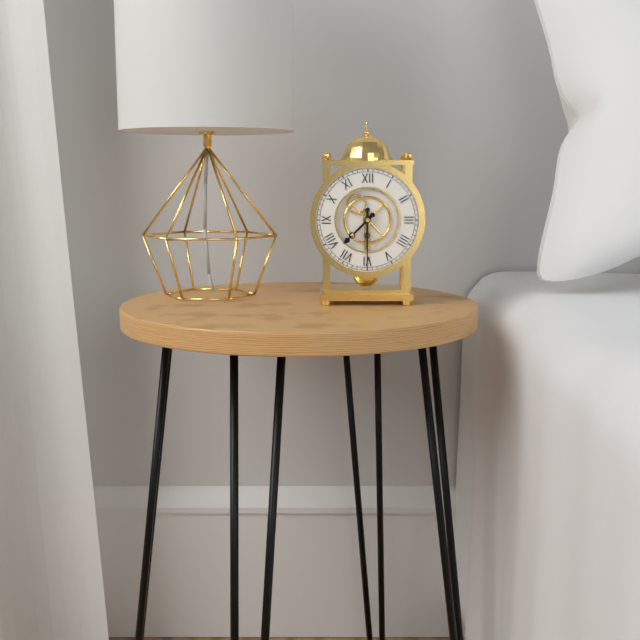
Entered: 7h30
